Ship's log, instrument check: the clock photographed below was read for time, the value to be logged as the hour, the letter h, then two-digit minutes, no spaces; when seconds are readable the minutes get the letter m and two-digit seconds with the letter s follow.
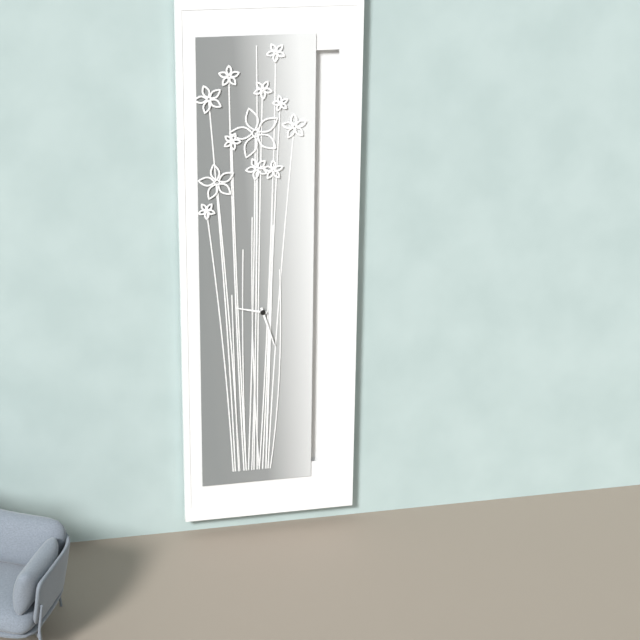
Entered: 9h27
